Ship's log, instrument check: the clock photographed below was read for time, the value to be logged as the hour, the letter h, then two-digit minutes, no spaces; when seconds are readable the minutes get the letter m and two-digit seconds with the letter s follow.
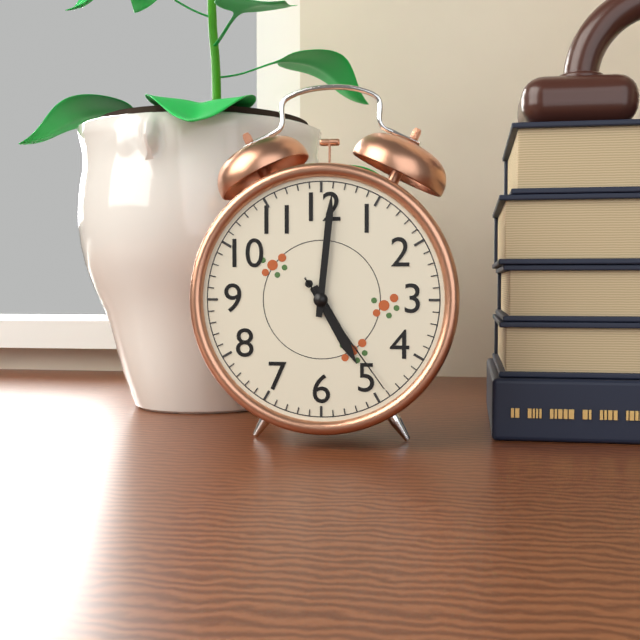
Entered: 5h01m24s
